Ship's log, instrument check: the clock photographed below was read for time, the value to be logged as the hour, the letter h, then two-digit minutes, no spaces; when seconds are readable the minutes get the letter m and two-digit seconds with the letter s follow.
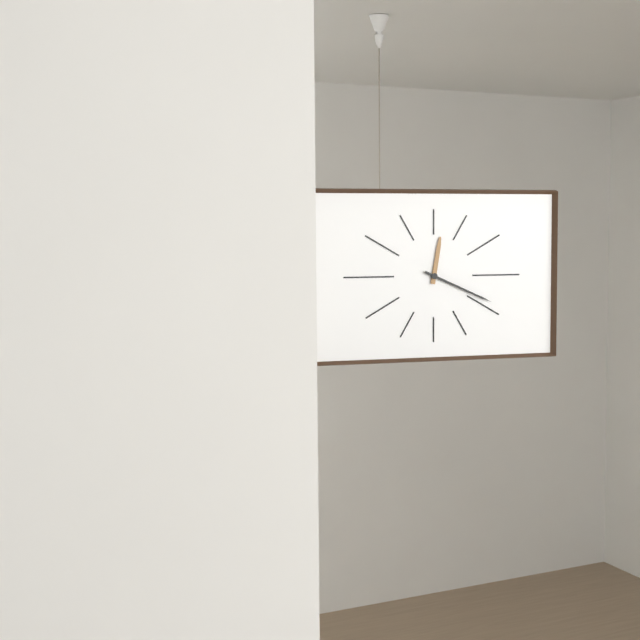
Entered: 12h19
